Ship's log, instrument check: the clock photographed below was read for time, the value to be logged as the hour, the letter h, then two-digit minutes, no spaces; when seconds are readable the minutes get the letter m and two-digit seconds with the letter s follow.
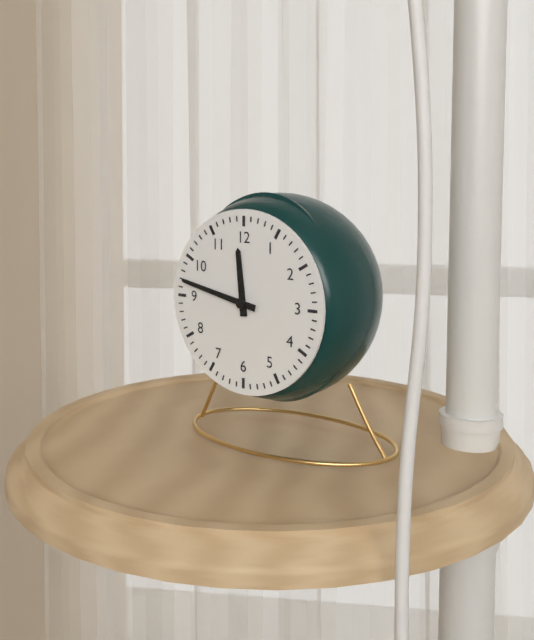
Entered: 11h47
